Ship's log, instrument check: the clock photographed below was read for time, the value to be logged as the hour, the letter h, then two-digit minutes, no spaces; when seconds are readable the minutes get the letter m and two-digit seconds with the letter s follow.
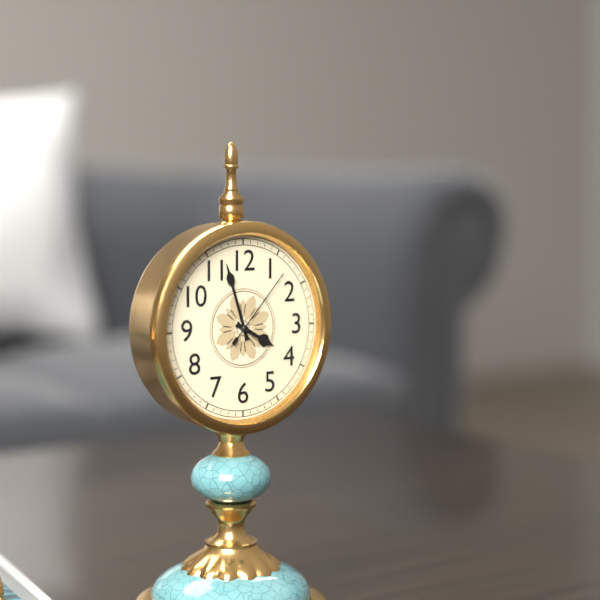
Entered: 3h57m07s
